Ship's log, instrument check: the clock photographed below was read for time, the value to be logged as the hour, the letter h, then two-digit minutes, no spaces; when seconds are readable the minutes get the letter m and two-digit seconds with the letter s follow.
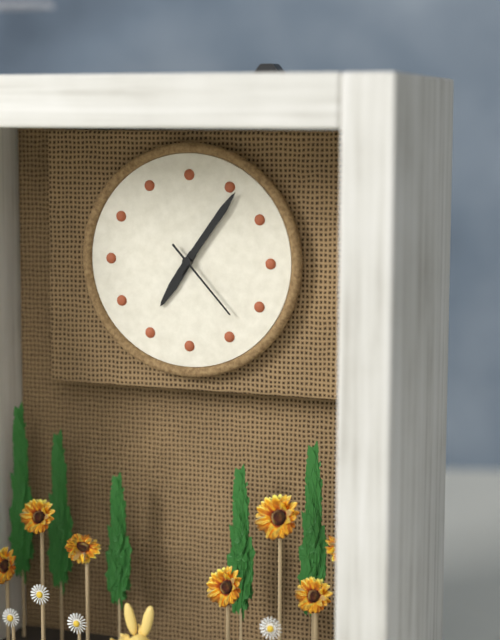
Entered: 7h06m23s
